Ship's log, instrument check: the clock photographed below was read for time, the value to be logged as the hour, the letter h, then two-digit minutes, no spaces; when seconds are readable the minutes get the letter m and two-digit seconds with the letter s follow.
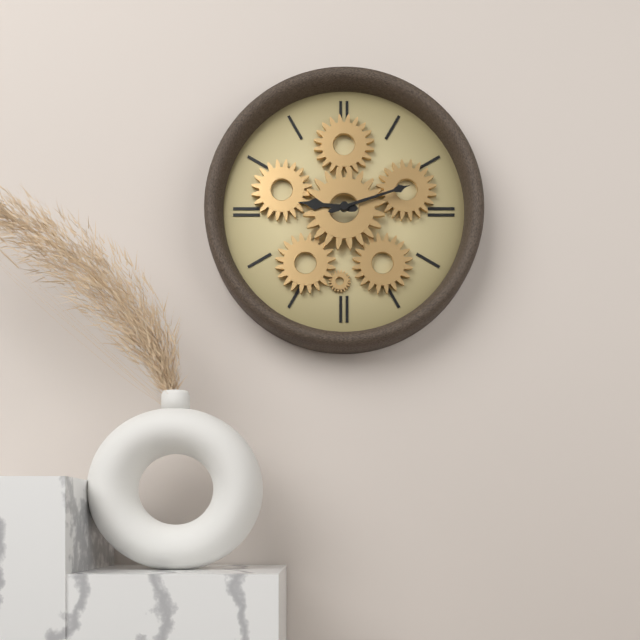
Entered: 9h12
